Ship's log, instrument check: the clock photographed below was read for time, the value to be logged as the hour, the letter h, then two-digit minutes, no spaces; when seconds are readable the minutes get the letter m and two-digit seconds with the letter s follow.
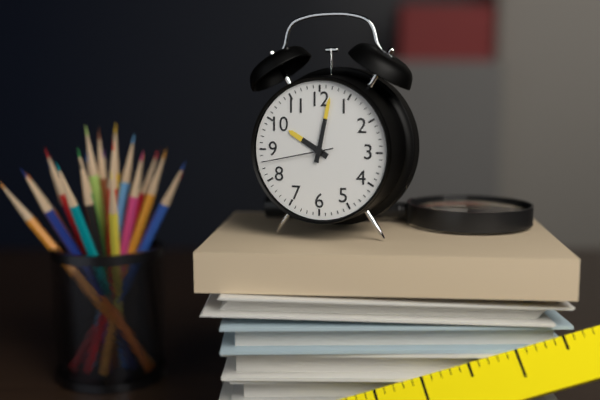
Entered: 10h02m43s
